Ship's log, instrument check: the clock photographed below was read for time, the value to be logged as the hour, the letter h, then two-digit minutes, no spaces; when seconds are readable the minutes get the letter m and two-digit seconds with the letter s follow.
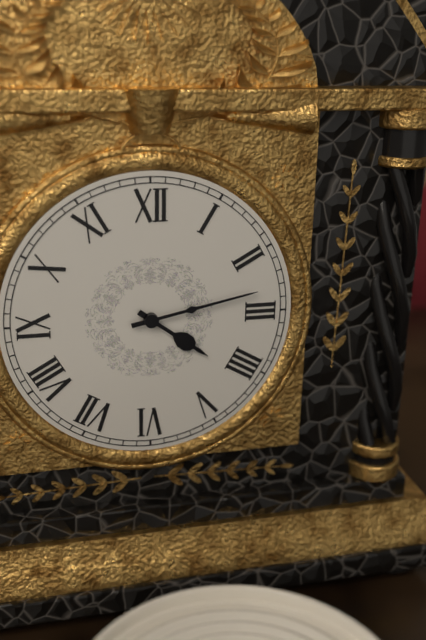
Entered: 4h13
